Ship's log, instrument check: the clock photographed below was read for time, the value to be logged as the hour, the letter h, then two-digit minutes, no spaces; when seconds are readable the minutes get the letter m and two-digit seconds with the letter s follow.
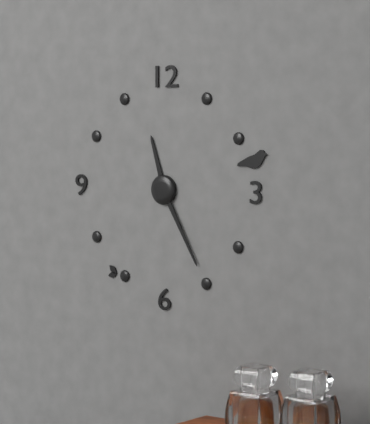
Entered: 11h25
